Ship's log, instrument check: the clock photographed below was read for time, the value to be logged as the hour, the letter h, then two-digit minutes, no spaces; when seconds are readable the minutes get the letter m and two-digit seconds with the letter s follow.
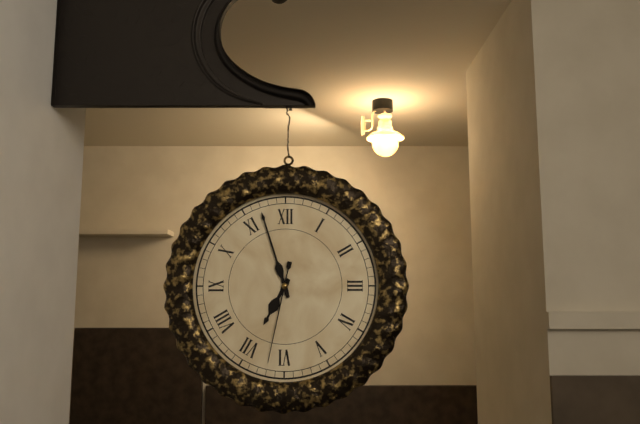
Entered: 6h57m32s
